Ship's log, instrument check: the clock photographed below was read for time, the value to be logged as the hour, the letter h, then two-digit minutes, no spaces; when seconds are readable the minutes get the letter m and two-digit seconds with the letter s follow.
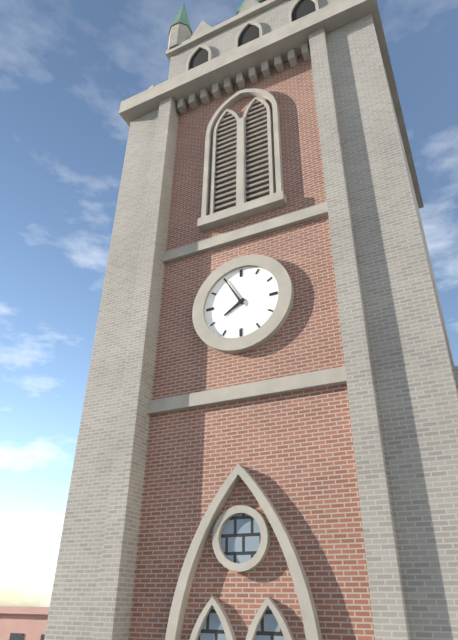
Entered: 7h55
